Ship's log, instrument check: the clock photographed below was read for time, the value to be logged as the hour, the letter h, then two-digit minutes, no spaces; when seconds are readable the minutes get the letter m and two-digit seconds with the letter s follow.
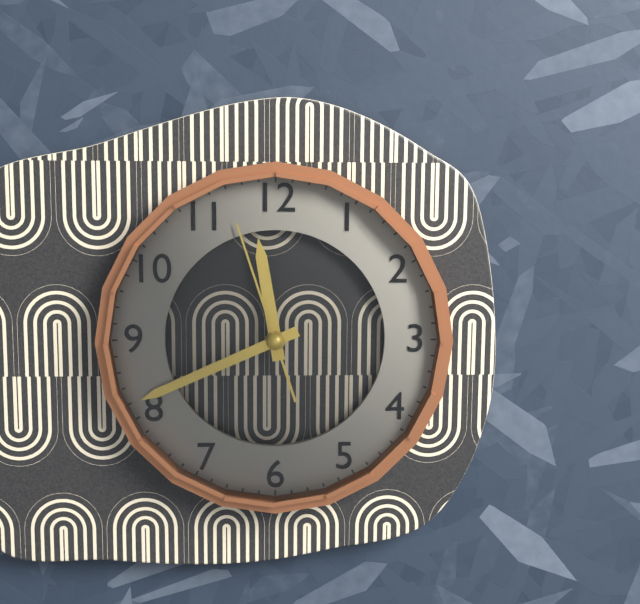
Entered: 11h41m57s
